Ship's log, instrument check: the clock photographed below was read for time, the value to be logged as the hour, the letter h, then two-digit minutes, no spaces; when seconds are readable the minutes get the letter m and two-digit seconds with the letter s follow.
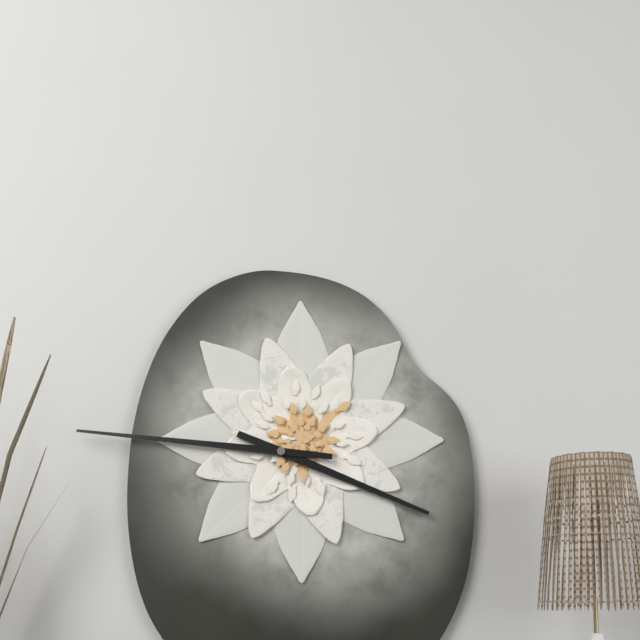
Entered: 3h46
